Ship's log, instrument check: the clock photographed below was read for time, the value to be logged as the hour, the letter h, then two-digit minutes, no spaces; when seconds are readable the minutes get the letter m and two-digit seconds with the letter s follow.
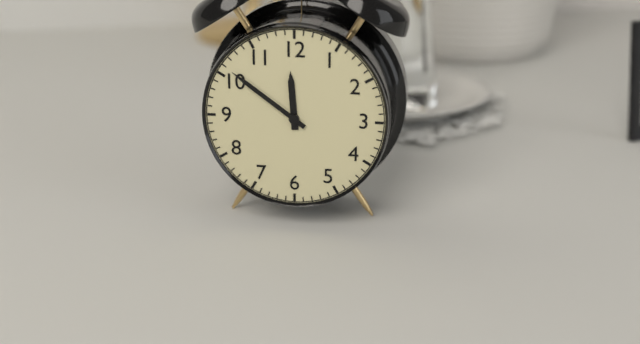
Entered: 11h51
